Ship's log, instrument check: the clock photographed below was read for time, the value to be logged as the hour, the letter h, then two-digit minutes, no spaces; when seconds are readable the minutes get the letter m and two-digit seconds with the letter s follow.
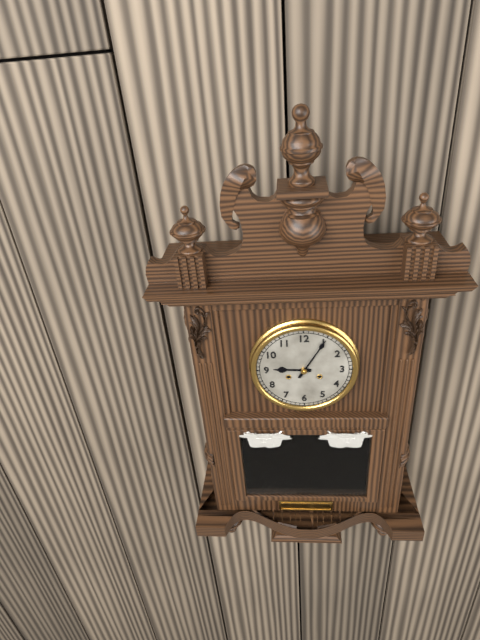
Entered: 9h05
